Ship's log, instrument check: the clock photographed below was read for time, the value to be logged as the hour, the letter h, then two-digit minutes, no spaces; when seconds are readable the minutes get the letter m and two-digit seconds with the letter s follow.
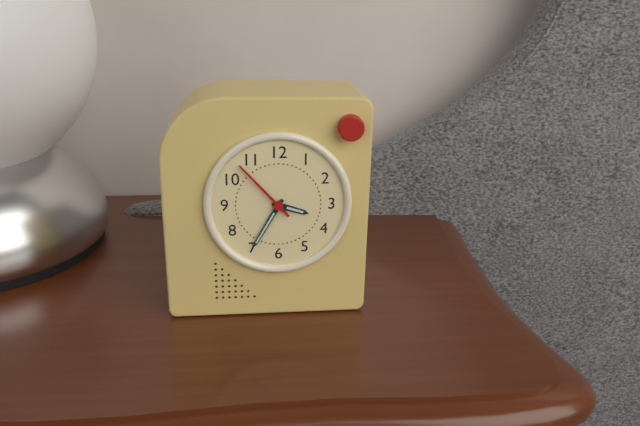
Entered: 3h35m53s
